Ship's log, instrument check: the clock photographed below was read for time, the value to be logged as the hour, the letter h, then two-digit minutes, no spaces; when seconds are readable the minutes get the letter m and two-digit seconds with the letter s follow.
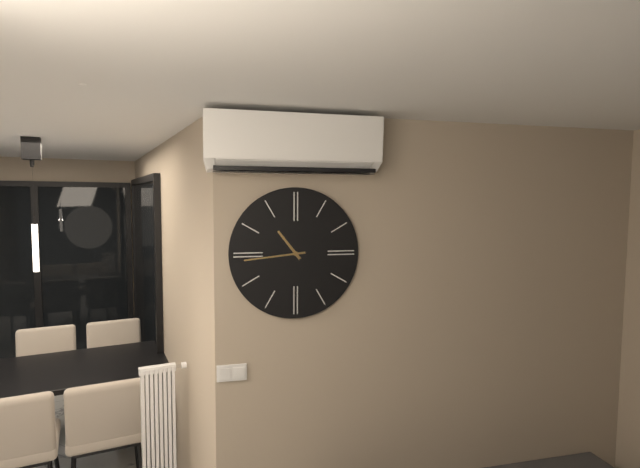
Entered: 10h44
